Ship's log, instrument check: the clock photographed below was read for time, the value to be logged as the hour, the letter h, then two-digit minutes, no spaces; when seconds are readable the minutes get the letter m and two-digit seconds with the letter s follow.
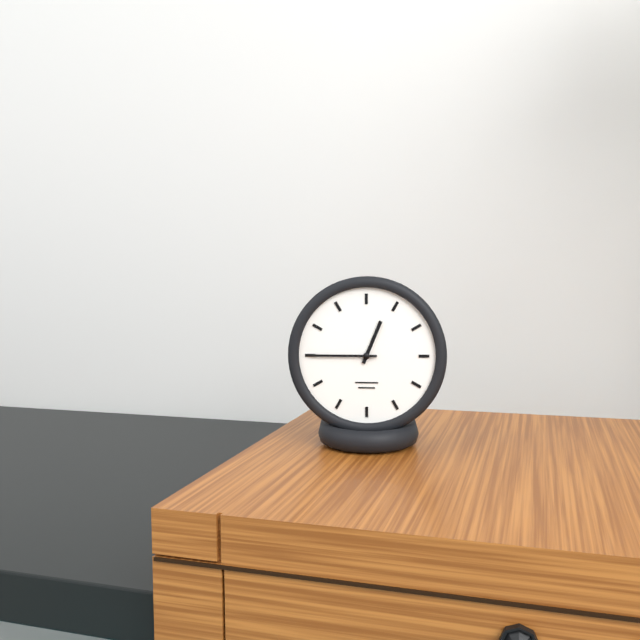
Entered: 12h45
